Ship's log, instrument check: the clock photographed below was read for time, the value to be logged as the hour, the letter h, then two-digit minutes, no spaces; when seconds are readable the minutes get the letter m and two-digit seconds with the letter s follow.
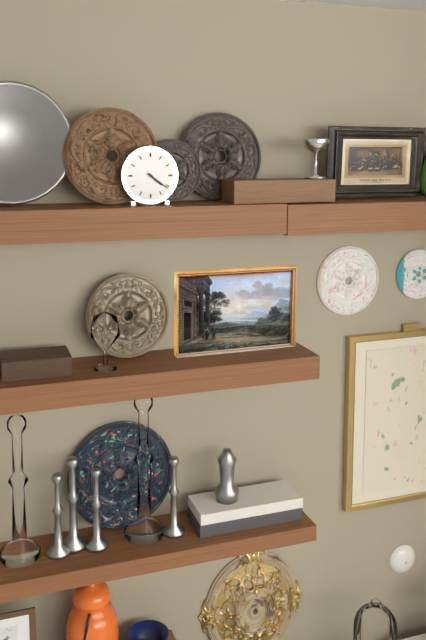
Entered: 4h21
